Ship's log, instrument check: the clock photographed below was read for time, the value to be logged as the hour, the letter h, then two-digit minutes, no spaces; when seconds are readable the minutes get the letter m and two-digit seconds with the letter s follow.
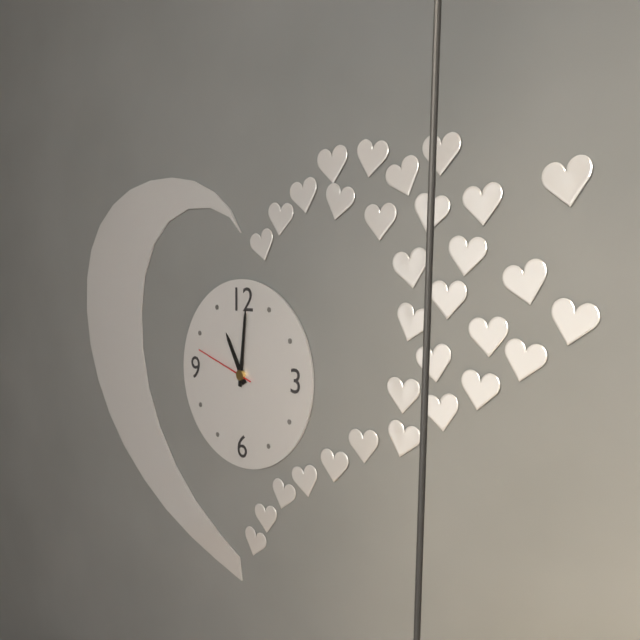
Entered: 11h01m48s
